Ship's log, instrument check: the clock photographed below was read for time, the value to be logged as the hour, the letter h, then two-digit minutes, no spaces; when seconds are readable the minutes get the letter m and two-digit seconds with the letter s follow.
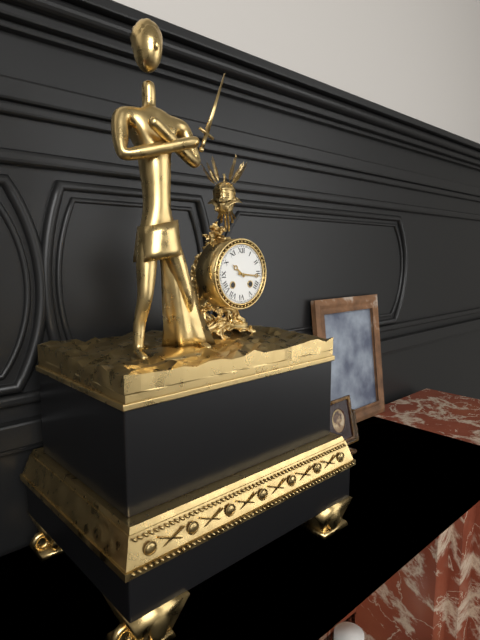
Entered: 10h16
